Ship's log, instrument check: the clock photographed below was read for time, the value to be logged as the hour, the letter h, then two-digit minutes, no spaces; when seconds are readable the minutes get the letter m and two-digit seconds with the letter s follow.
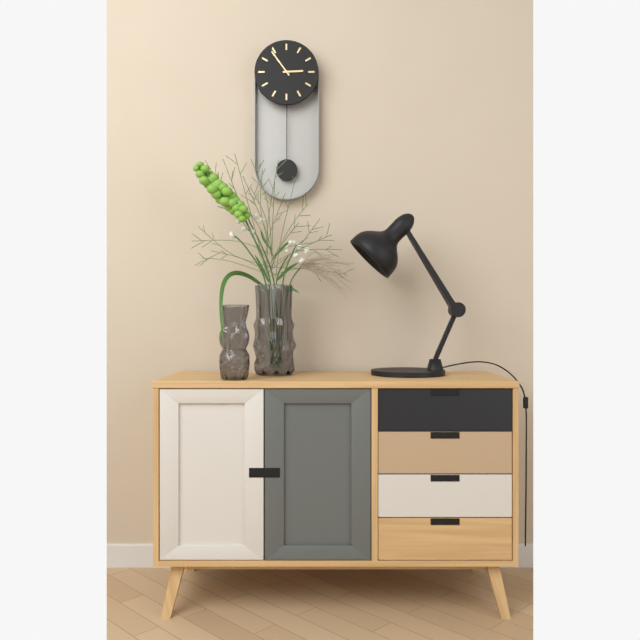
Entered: 2h54
